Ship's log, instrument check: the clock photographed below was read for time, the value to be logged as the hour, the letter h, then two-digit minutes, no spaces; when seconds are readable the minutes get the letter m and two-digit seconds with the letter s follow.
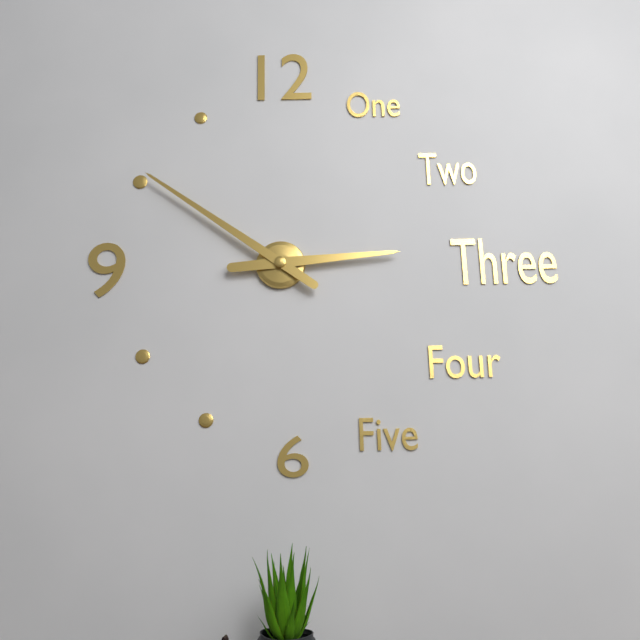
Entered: 2h51
